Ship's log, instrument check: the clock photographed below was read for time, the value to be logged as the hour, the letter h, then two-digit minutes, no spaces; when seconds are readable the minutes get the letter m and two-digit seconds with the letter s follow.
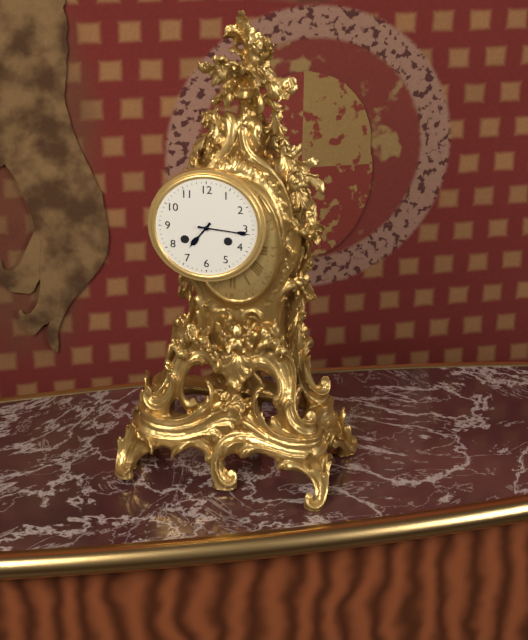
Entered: 7h16
